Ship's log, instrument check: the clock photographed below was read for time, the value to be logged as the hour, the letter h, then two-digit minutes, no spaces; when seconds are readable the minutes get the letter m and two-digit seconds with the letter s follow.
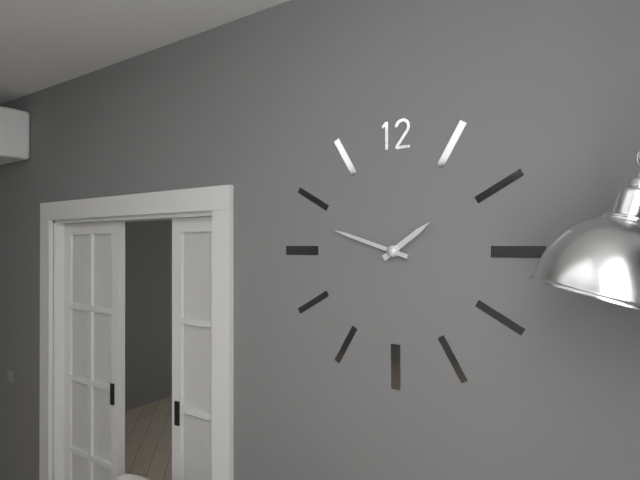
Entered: 1h48
